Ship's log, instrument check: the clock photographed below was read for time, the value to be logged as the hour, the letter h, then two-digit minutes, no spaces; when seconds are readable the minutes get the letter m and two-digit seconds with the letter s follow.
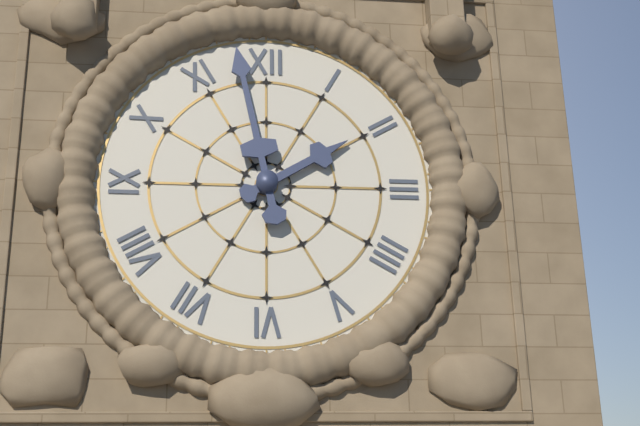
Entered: 1h58
